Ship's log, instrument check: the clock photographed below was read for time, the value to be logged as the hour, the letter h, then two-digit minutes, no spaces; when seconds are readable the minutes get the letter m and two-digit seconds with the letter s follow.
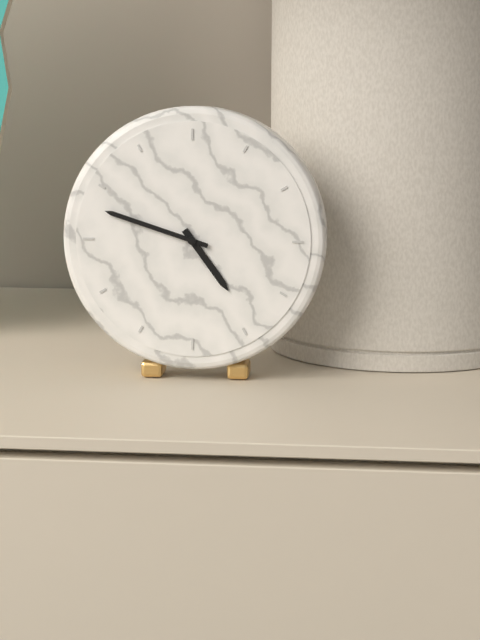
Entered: 4h48
